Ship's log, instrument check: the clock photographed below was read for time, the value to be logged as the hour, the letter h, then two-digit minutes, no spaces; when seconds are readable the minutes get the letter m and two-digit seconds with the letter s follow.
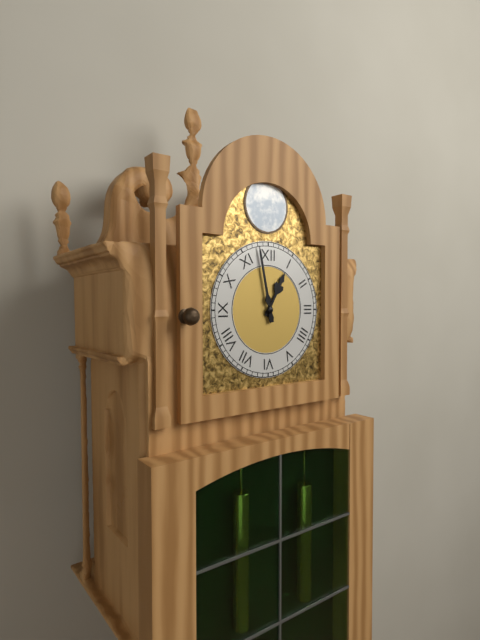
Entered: 12h58
